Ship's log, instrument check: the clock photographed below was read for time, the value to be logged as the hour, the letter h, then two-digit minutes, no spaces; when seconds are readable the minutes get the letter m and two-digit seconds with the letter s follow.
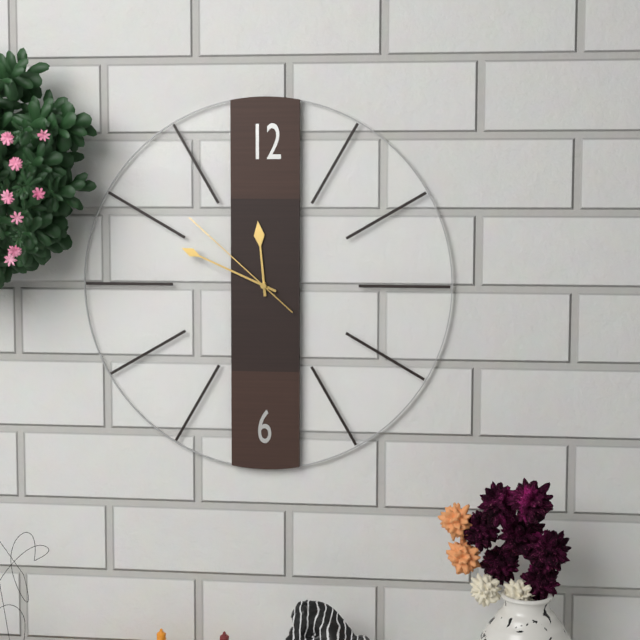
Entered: 11h49m52s
